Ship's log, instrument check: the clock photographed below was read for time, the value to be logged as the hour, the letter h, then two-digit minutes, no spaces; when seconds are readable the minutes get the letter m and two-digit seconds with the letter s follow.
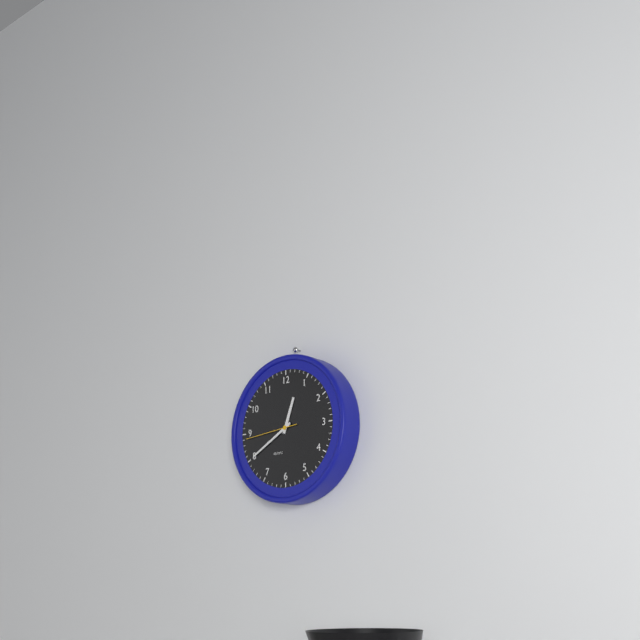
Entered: 12h40m44s
